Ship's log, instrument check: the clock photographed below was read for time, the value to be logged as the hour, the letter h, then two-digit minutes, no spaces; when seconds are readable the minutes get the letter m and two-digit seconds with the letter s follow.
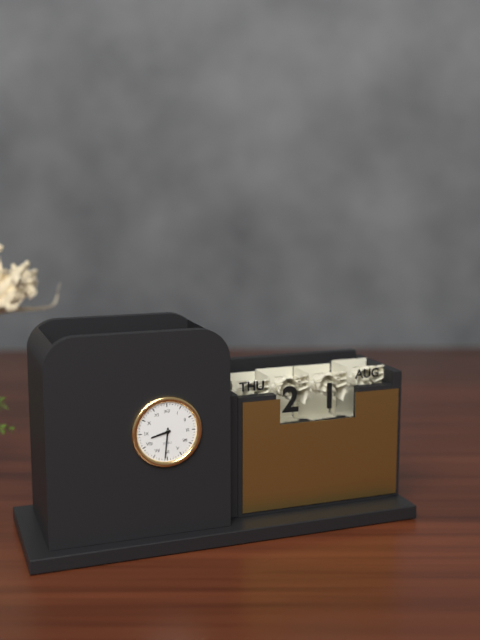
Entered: 8h31
